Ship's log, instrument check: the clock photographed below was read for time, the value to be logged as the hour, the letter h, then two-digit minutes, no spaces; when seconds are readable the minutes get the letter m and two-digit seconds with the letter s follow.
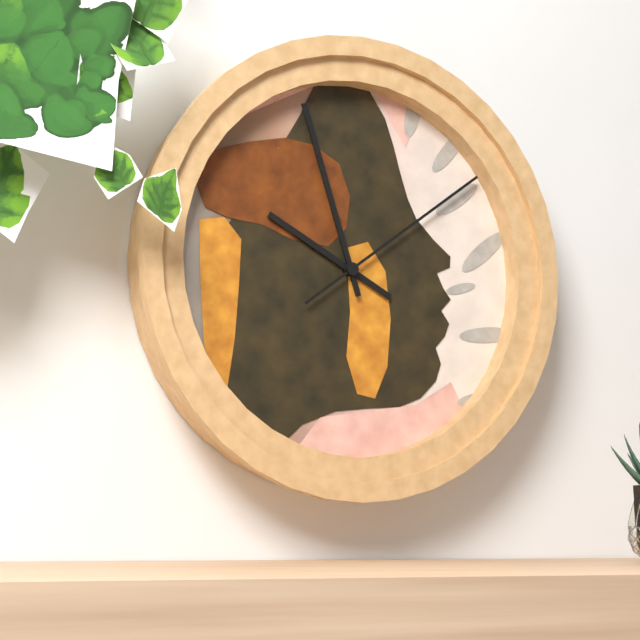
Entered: 9h57m09s
